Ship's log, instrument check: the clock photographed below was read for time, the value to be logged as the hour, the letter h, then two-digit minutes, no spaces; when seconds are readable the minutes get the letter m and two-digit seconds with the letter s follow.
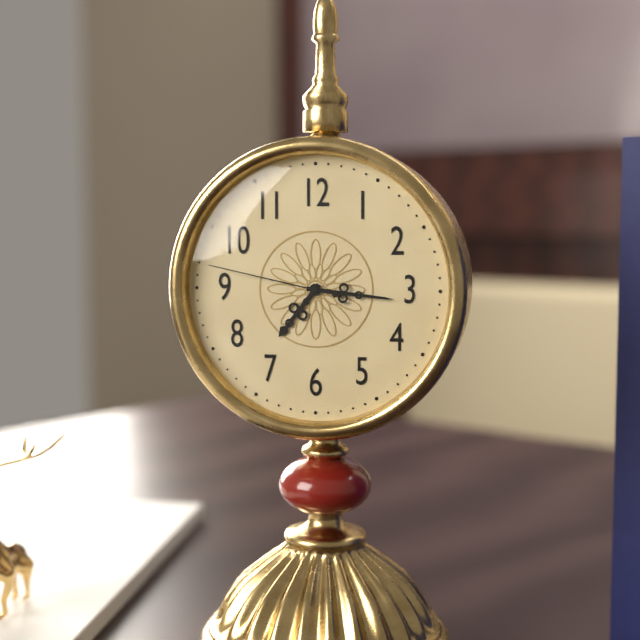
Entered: 7h16m47s
